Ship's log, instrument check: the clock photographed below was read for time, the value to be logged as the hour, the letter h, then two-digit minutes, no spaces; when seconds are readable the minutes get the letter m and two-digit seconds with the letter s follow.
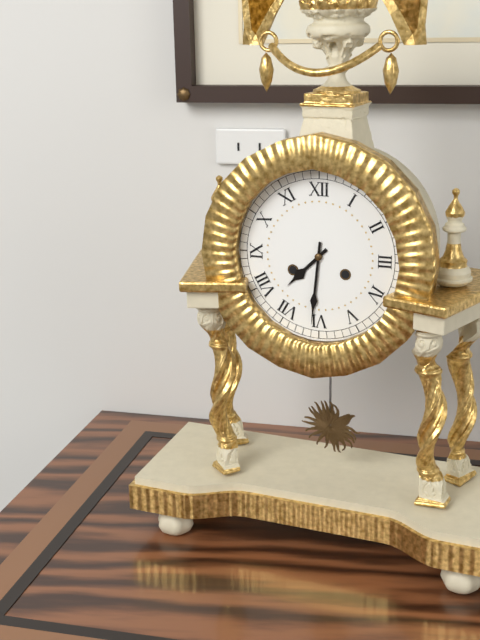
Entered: 7h31
